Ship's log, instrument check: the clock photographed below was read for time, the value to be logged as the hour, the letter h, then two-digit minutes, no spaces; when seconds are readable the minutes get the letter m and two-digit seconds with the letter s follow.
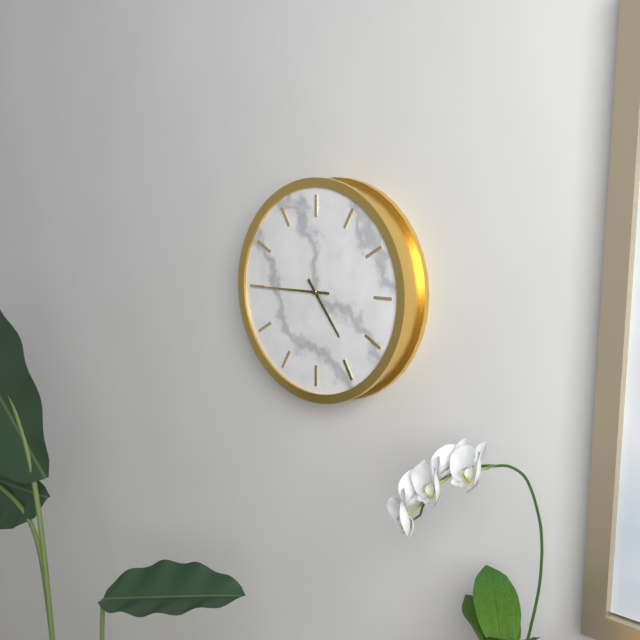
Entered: 4h45
